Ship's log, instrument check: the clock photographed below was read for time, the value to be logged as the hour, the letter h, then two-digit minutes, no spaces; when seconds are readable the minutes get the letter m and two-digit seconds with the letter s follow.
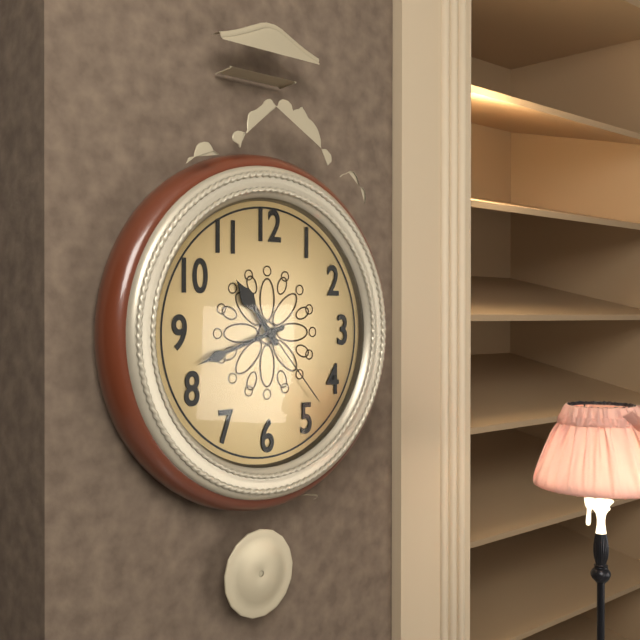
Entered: 10h42m23s
